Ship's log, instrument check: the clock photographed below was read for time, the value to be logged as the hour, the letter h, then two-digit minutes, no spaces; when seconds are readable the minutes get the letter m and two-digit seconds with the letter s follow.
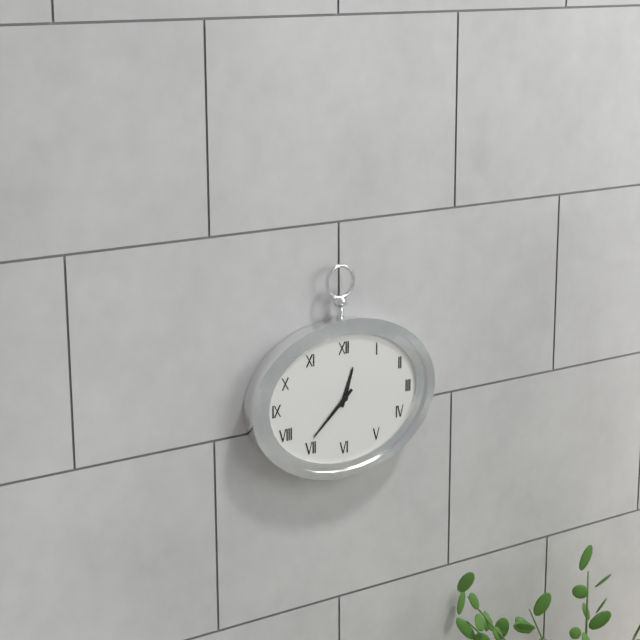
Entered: 12h38
